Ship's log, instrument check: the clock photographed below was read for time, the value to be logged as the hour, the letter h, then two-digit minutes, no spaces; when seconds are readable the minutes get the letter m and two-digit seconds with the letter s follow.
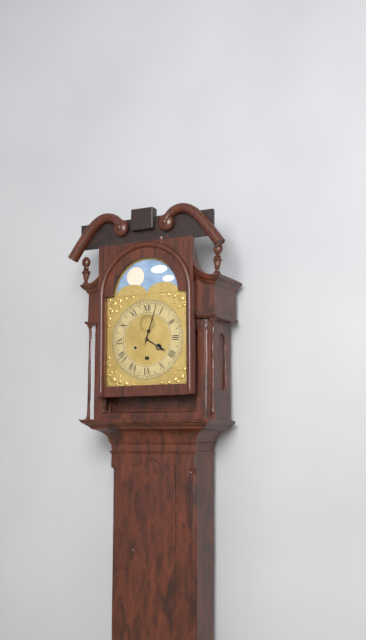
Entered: 4h03
